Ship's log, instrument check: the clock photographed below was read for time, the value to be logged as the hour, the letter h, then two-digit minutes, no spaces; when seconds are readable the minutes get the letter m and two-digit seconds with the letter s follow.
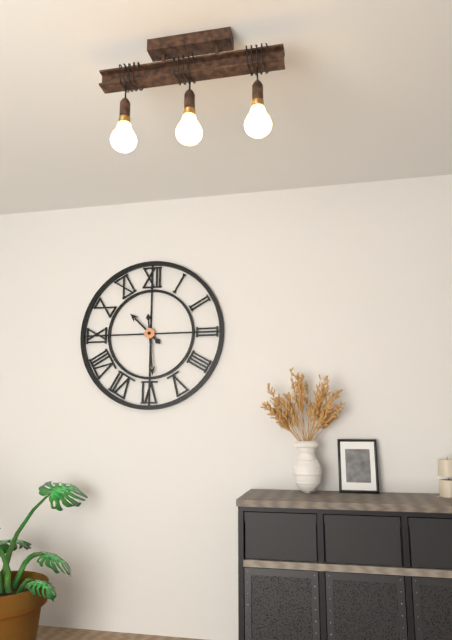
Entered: 10h29
